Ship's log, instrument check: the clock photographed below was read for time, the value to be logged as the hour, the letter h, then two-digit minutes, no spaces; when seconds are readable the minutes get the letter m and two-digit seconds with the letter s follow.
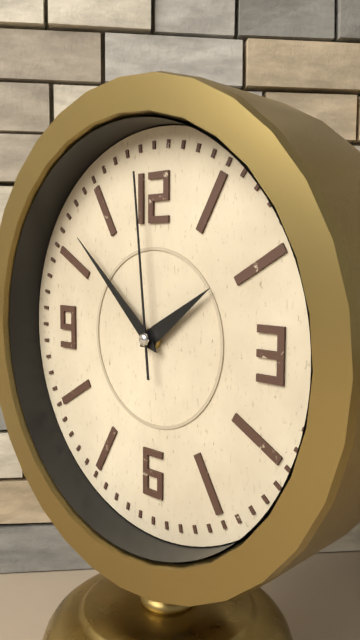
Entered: 1h52m59s
